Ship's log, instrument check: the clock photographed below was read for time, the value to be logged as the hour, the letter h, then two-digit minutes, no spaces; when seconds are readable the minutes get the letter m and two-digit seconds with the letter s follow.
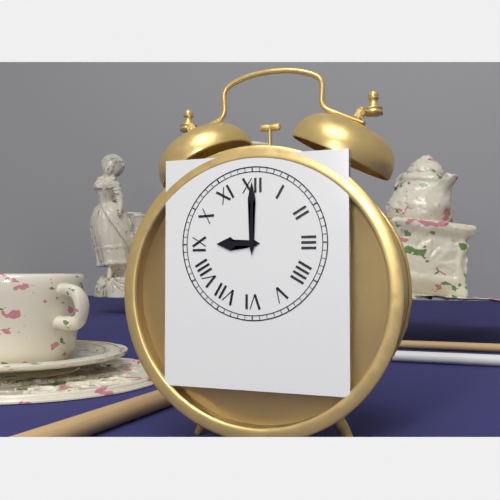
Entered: 9h00
